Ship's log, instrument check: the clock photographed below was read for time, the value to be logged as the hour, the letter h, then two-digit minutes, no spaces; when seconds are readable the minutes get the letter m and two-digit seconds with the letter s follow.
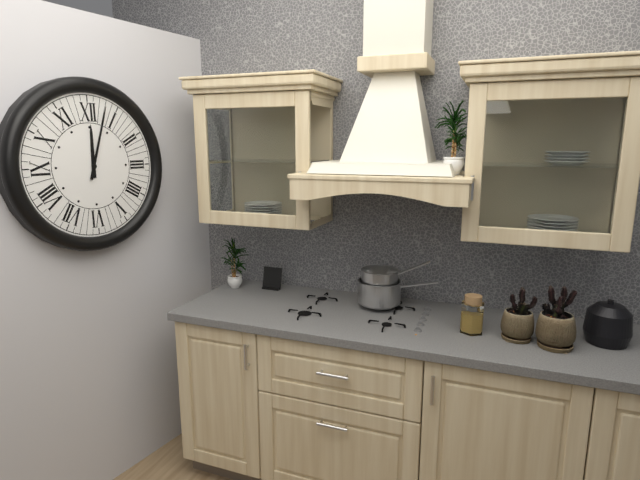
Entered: 12h03
